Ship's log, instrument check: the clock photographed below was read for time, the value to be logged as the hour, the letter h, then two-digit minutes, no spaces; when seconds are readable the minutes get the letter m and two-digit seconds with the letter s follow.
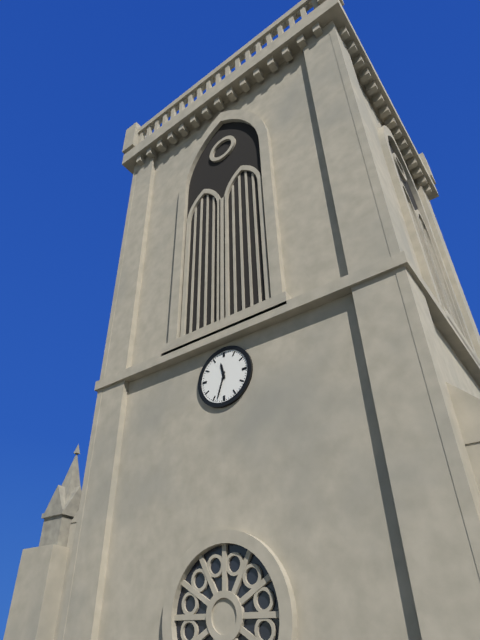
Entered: 11h33
